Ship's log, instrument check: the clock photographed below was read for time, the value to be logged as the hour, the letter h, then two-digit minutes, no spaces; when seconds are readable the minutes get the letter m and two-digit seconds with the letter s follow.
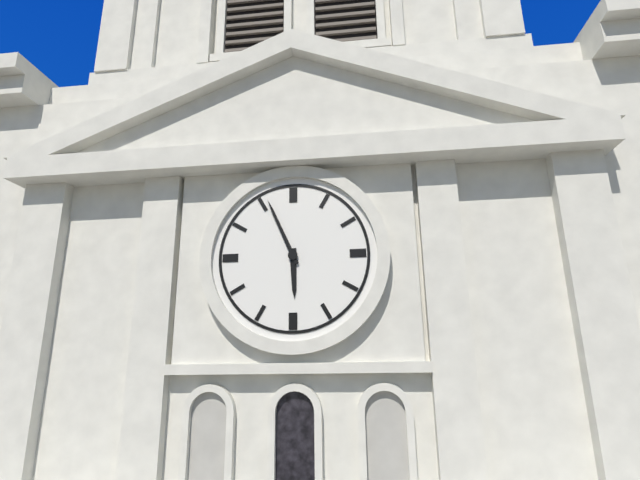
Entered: 5h56
